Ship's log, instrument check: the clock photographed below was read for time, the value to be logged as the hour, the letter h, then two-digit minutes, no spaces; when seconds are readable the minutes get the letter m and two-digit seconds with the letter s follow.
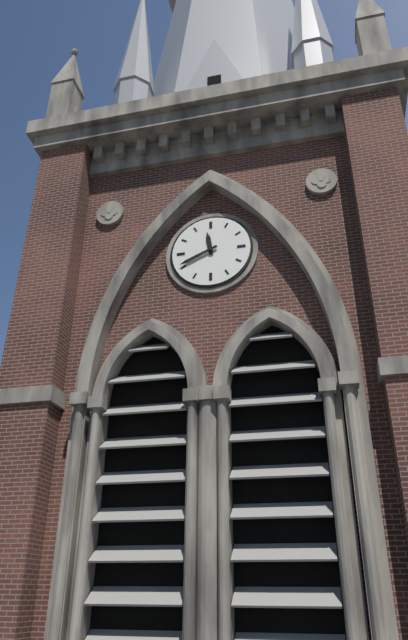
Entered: 11h41
